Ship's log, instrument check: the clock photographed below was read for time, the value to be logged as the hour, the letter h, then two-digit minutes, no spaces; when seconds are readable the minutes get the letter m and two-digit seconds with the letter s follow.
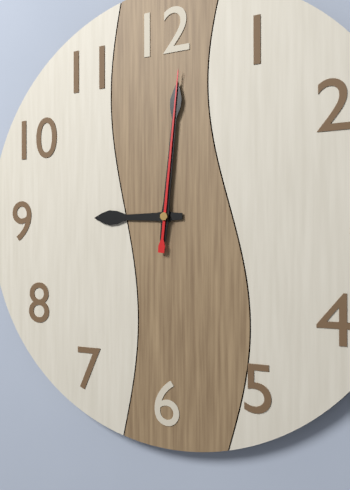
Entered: 9h01m01s
